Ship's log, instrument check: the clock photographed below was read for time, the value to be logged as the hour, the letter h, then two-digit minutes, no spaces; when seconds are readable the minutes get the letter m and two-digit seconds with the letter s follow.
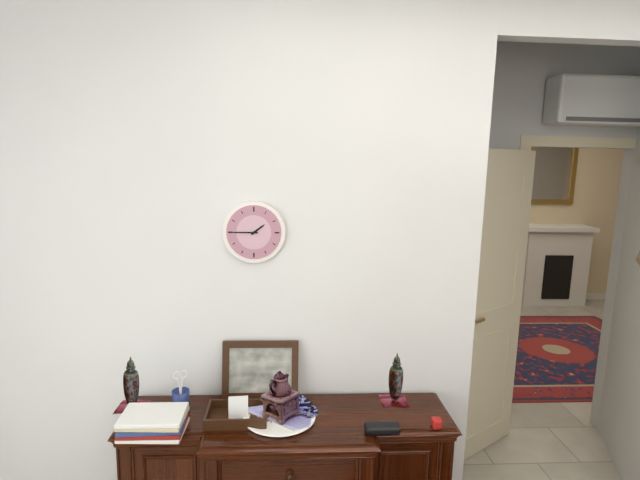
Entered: 1h45
